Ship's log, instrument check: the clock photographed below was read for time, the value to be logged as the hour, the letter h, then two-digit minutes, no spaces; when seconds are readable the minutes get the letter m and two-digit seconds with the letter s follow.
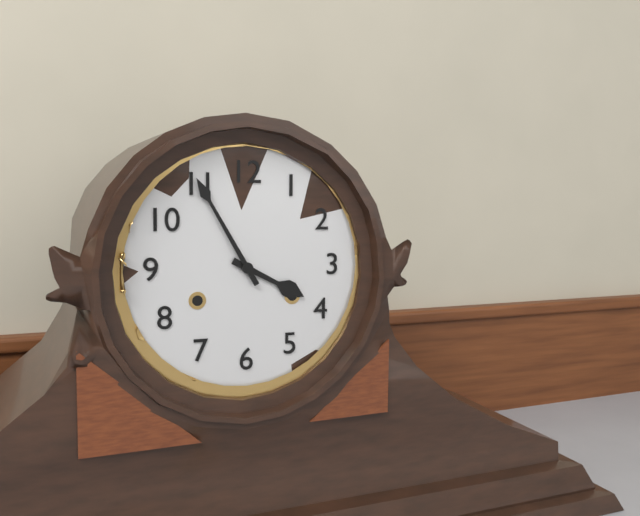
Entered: 3h55
